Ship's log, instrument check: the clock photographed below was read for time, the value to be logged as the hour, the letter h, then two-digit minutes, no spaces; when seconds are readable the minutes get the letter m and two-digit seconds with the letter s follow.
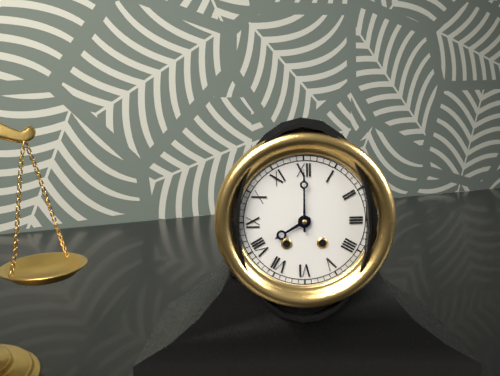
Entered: 8h00
